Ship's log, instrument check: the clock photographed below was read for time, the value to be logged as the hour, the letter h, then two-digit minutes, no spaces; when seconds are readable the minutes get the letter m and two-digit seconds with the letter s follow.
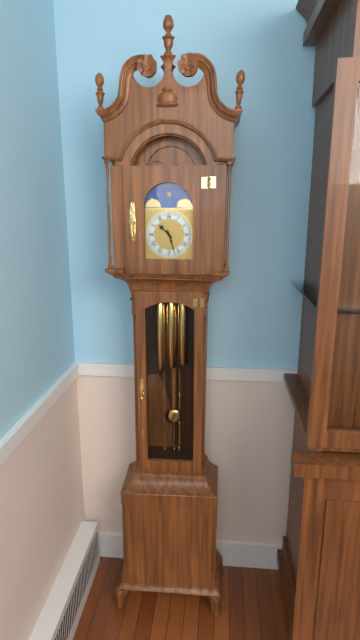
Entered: 10h27
